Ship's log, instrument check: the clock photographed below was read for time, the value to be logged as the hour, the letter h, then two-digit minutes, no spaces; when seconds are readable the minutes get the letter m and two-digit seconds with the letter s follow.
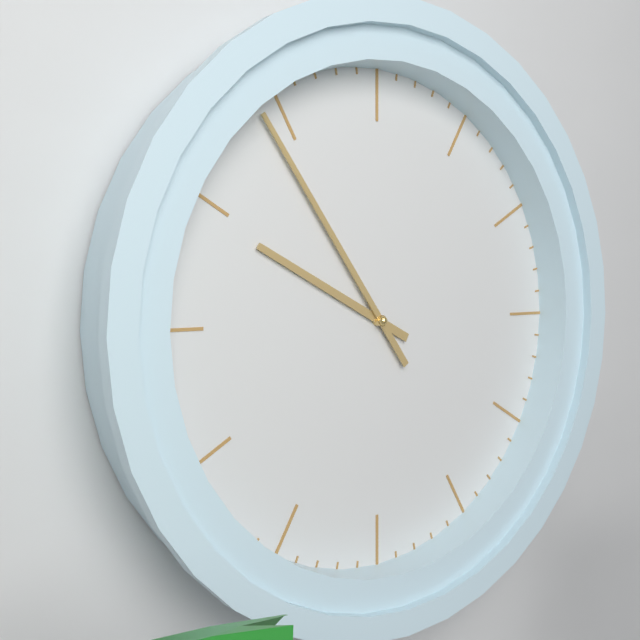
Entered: 9h54
